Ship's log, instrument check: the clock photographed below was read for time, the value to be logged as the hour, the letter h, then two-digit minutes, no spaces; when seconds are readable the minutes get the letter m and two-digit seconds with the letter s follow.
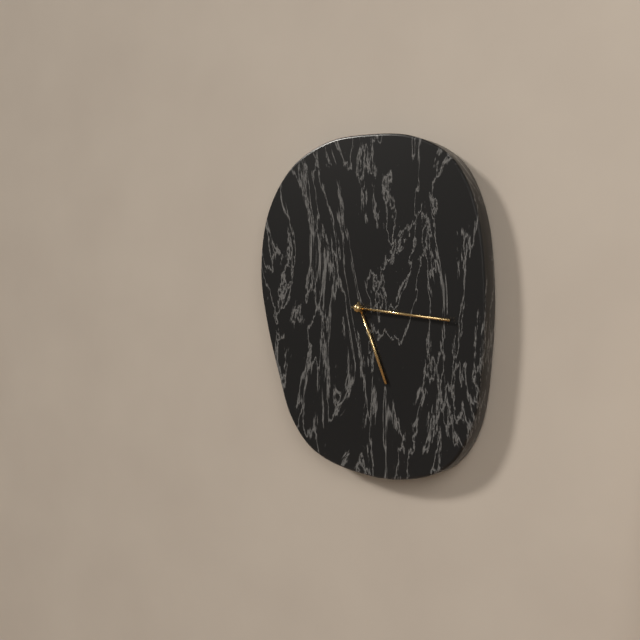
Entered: 5h16
